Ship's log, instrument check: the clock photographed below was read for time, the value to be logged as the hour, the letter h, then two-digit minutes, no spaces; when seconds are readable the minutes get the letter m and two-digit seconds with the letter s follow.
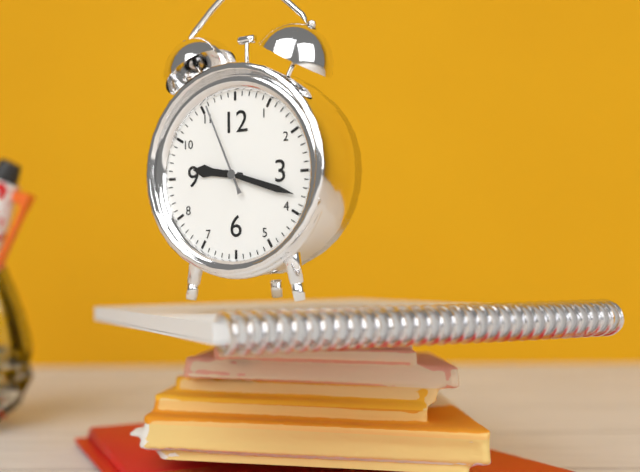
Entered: 9h18m56s
